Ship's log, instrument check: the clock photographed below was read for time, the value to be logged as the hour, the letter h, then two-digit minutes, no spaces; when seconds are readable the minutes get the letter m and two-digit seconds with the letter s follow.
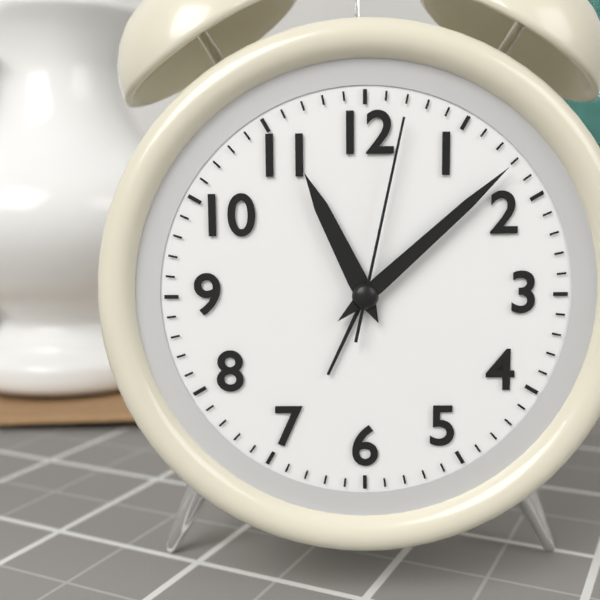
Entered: 11h08m02s
